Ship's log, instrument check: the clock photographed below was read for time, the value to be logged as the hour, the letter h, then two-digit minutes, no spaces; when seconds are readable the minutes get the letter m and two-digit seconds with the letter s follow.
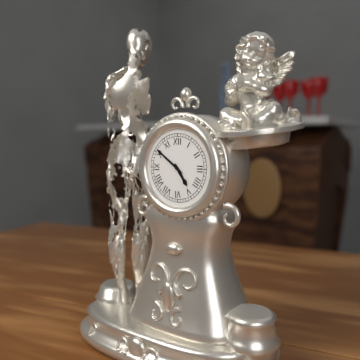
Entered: 4h51
